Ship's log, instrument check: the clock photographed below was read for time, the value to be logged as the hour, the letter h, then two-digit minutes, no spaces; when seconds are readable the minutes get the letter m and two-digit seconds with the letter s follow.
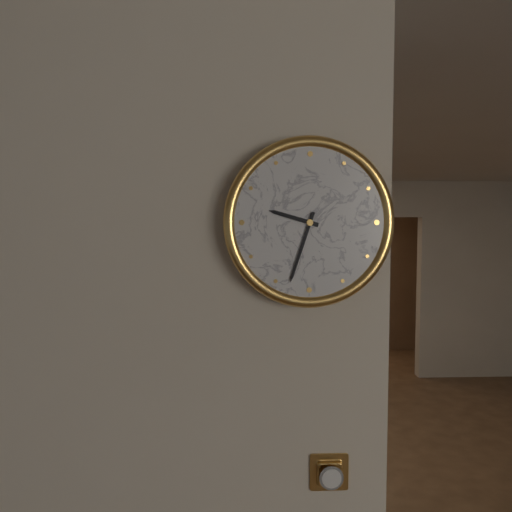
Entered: 9h33
